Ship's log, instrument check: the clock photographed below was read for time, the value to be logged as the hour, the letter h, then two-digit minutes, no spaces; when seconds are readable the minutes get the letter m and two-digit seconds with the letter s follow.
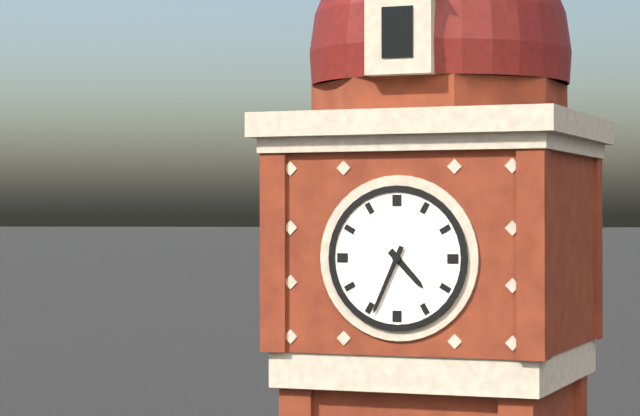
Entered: 4h34
